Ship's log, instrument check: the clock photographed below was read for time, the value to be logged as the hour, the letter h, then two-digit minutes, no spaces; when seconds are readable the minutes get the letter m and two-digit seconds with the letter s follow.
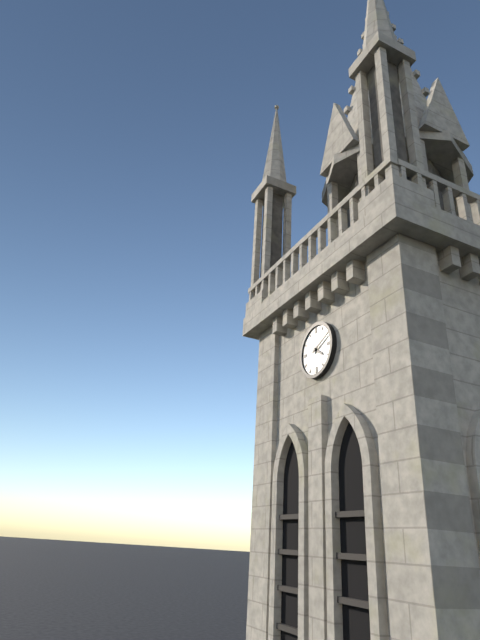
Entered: 4h11
